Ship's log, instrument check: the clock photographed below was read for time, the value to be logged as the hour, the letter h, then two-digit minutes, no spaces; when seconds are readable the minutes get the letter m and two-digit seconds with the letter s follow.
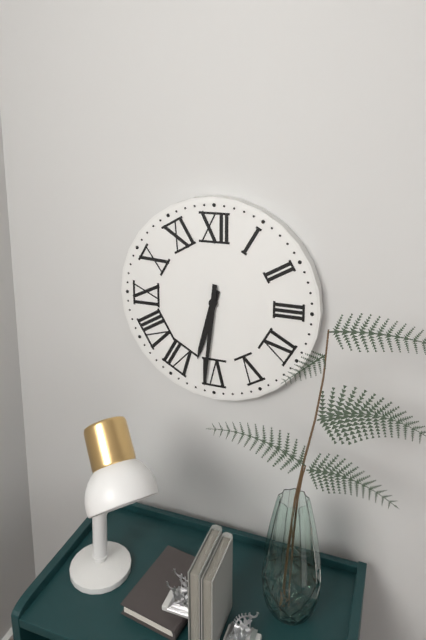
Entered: 6h31
